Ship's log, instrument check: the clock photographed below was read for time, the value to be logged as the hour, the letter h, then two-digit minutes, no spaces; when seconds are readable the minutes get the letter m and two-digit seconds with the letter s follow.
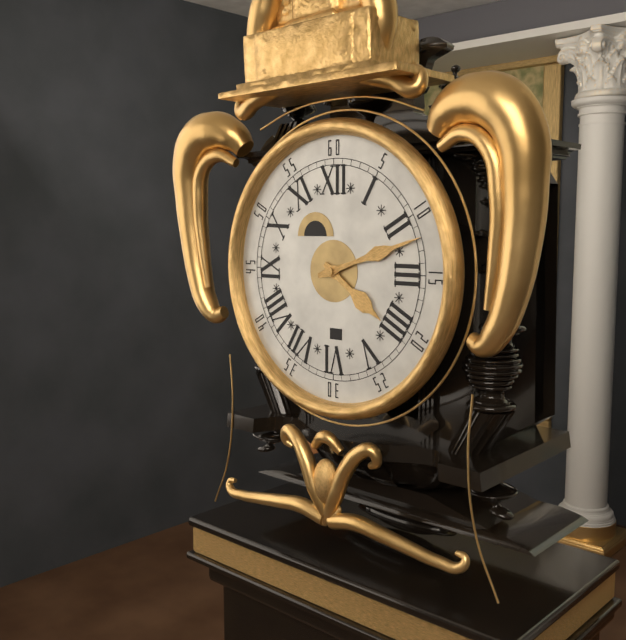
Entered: 4h12
